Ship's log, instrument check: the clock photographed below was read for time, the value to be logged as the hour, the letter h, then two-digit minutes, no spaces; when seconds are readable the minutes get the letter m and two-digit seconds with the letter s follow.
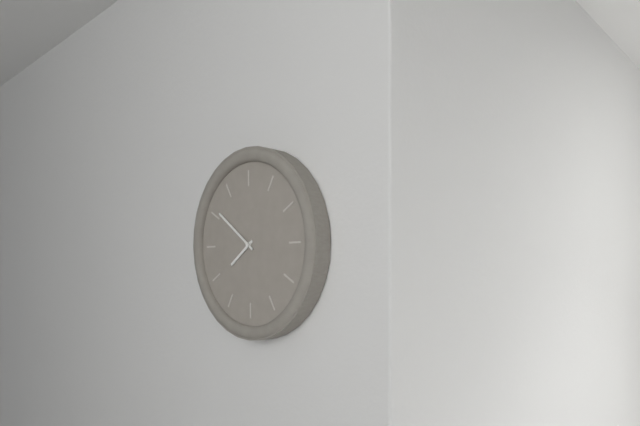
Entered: 7h51
